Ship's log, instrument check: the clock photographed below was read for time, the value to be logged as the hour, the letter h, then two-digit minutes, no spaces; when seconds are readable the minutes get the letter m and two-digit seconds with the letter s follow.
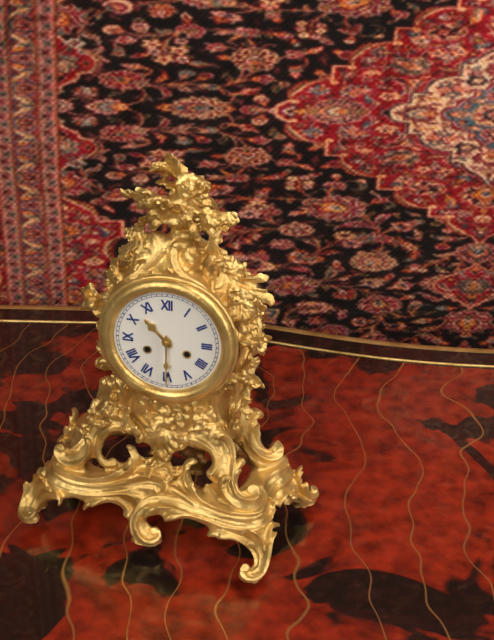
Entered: 10h30
